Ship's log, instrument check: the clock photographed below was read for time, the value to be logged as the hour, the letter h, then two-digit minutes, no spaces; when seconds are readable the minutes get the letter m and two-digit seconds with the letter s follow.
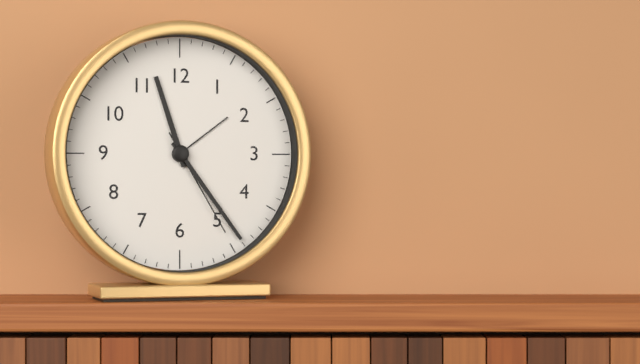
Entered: 11h24m25s
